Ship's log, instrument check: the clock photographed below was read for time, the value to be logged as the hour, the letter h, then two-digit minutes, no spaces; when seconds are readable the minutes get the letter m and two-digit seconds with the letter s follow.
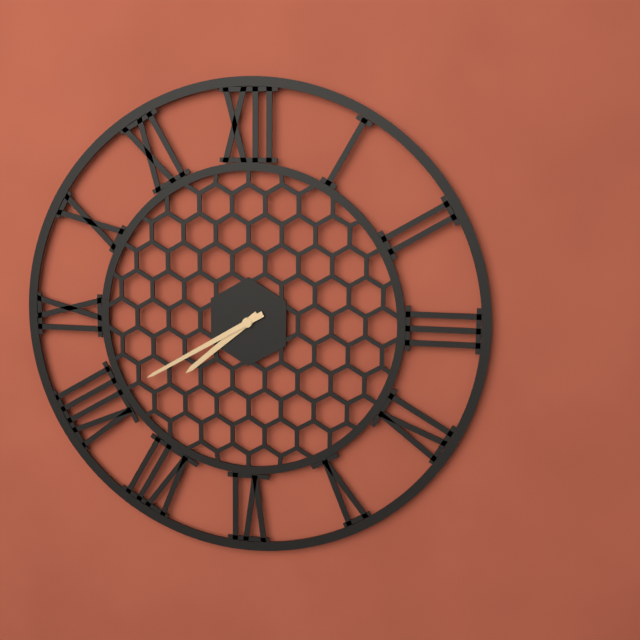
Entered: 7h40
